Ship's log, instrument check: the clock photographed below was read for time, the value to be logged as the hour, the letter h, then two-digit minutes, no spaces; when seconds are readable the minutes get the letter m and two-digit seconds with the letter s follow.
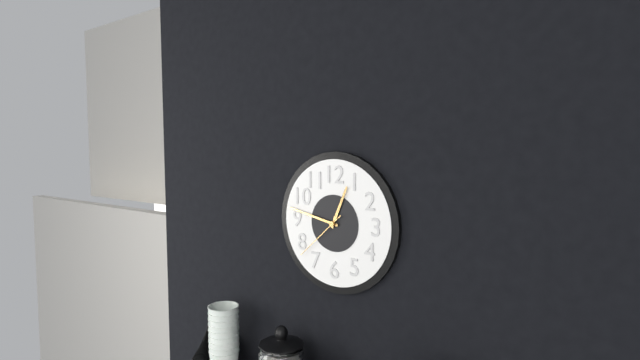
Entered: 12h47m38s
